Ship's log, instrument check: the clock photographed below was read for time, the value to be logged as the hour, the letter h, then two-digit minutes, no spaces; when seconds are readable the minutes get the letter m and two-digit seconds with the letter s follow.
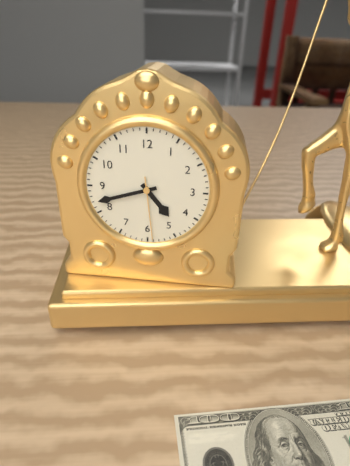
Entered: 4h42m29s
